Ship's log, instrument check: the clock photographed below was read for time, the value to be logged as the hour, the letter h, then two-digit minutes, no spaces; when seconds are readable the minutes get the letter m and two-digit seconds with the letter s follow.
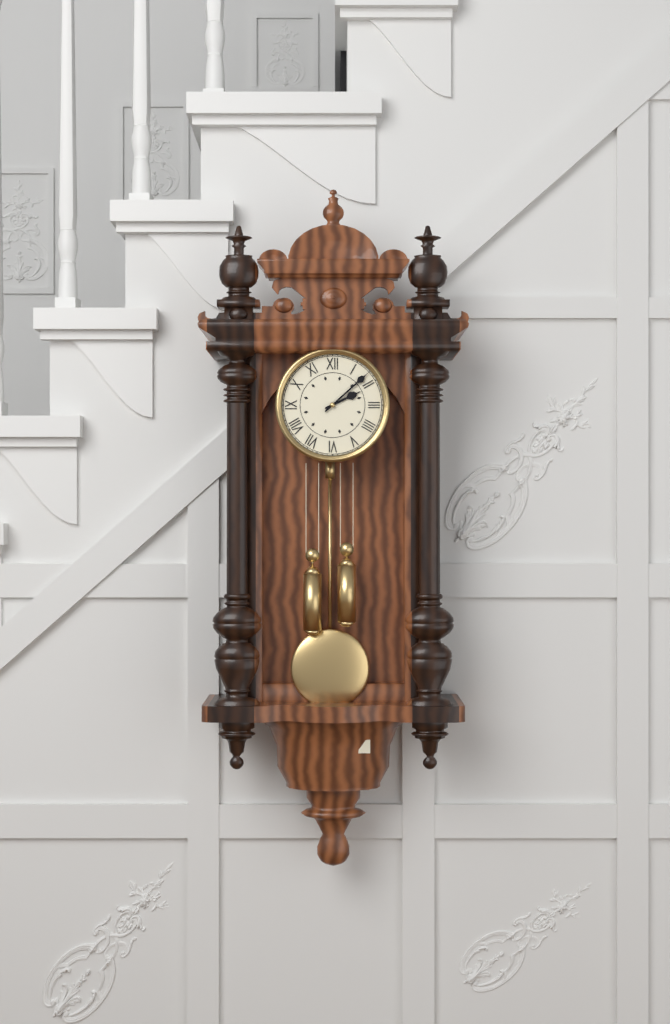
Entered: 2h08
